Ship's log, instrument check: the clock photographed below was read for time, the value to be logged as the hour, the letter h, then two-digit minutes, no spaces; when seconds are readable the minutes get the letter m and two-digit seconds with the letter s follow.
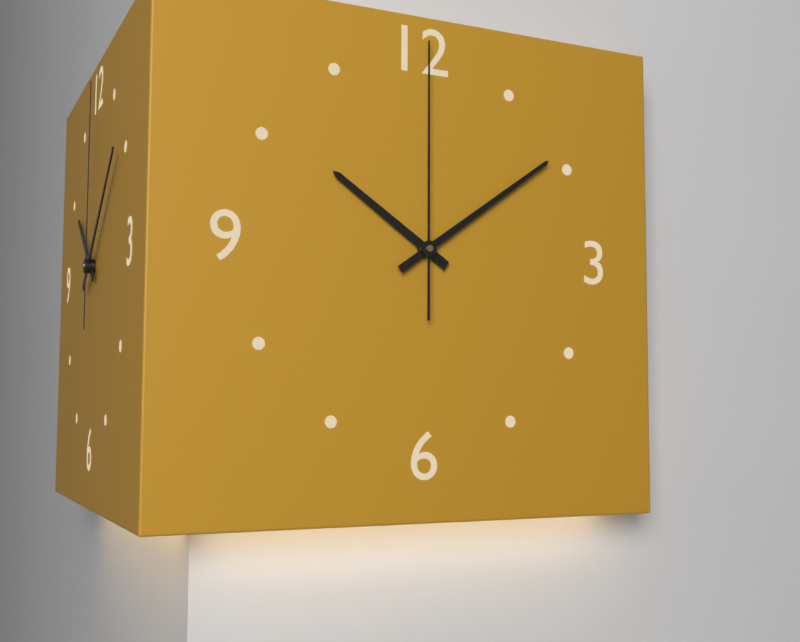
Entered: 10h09m00s
